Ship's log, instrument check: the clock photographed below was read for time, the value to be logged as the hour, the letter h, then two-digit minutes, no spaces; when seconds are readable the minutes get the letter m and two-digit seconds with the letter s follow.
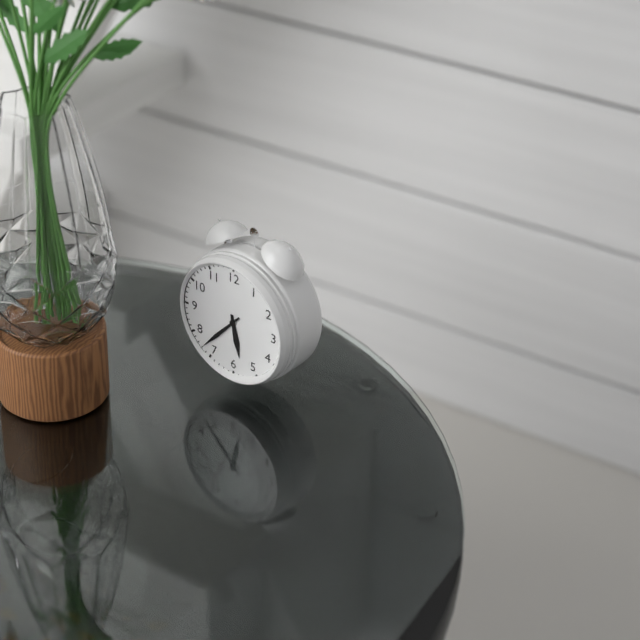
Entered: 5h37
